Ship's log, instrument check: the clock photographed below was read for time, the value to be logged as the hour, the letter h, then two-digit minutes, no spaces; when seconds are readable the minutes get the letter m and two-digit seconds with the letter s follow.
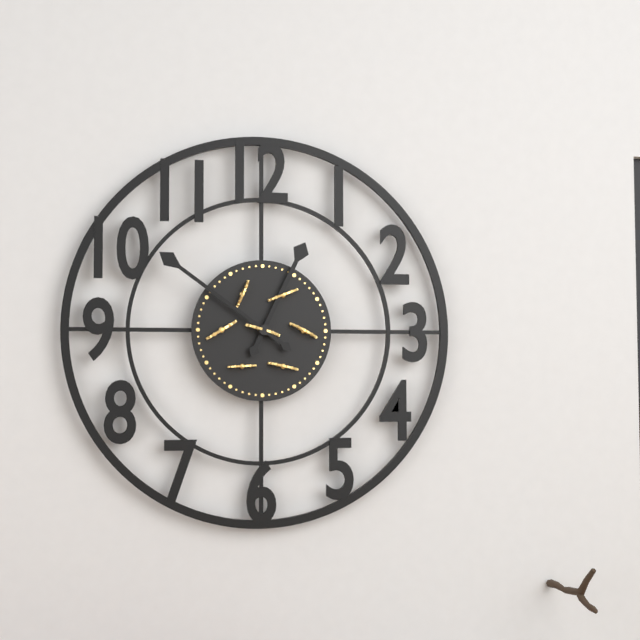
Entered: 12h51
